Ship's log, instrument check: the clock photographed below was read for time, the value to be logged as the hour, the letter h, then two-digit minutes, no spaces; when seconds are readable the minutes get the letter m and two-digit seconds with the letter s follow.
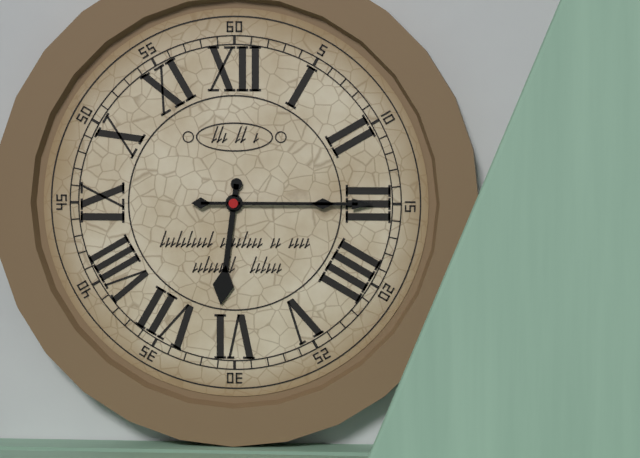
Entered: 6h15
